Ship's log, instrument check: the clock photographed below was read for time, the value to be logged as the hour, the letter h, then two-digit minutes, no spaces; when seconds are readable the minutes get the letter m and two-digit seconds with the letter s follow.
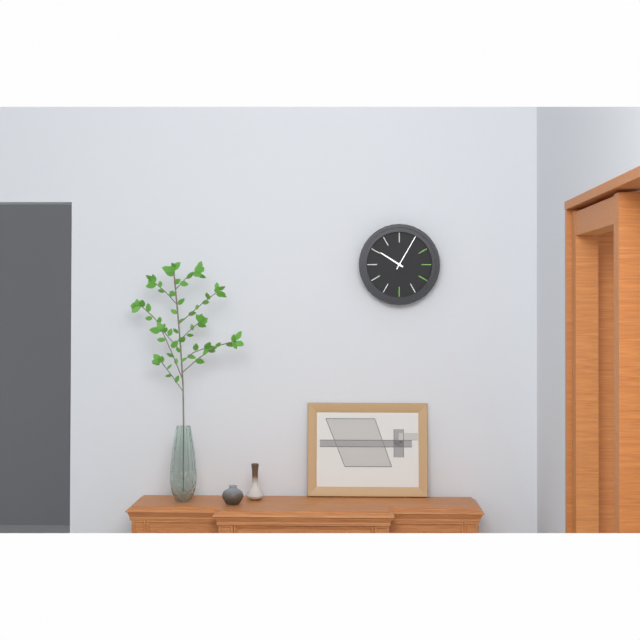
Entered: 10h05
